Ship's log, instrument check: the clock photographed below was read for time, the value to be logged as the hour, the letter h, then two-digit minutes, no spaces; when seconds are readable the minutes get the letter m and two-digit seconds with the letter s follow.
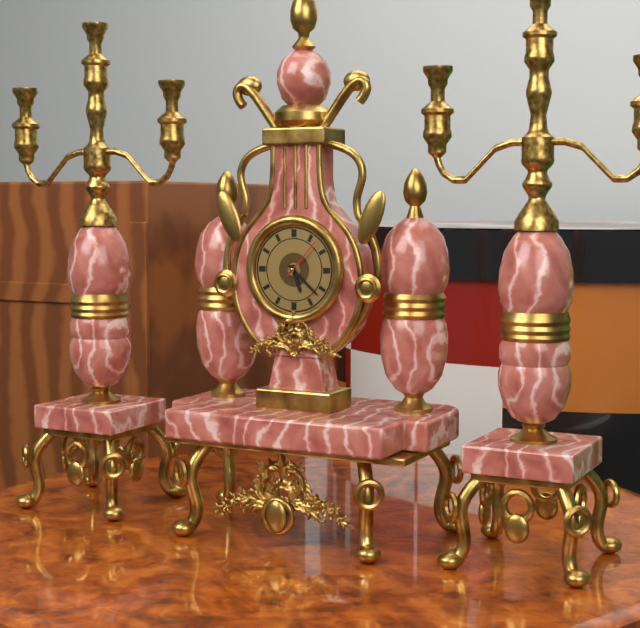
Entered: 5h22
